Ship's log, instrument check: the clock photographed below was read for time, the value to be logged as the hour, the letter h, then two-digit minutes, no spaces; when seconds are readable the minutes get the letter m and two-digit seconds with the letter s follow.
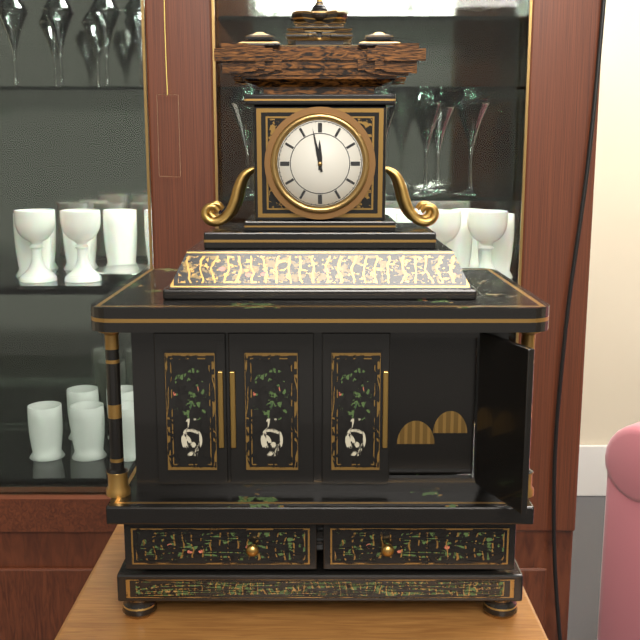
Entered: 11h58
